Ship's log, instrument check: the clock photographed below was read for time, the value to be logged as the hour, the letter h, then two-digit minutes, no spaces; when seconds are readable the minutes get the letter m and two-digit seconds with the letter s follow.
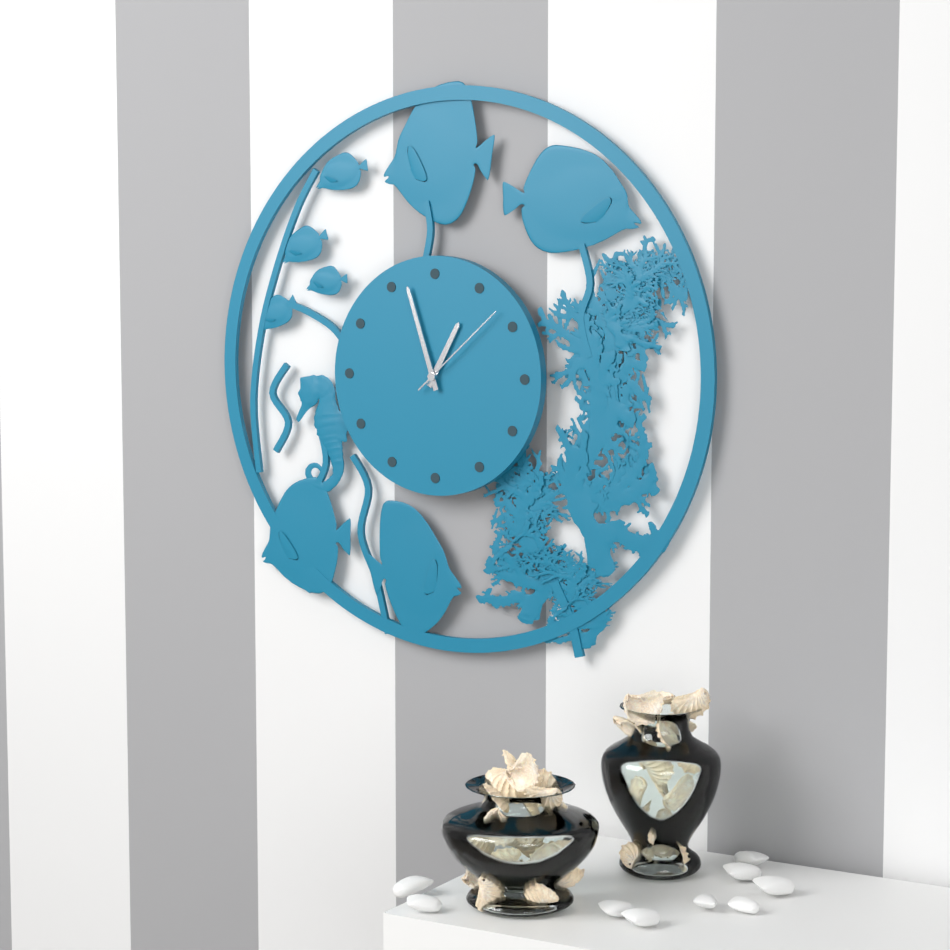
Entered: 12h57m08s
